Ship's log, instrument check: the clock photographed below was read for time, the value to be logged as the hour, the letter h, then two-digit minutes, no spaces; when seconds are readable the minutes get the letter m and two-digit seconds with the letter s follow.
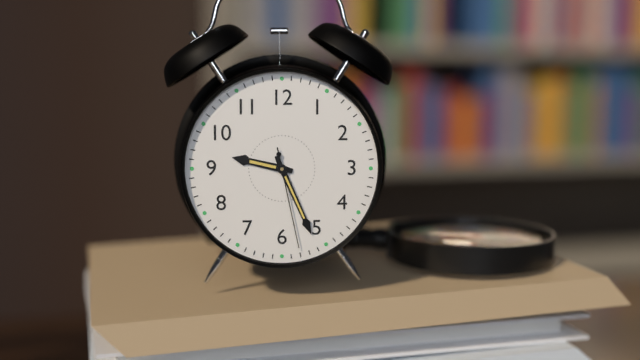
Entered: 9h26m28s
